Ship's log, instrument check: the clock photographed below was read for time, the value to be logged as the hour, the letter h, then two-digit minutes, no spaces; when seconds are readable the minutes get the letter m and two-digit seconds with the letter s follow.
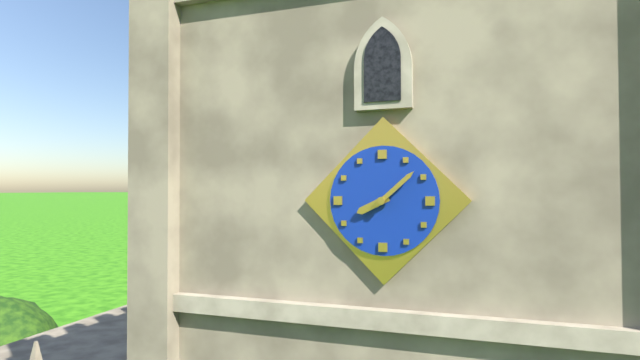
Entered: 8h08
